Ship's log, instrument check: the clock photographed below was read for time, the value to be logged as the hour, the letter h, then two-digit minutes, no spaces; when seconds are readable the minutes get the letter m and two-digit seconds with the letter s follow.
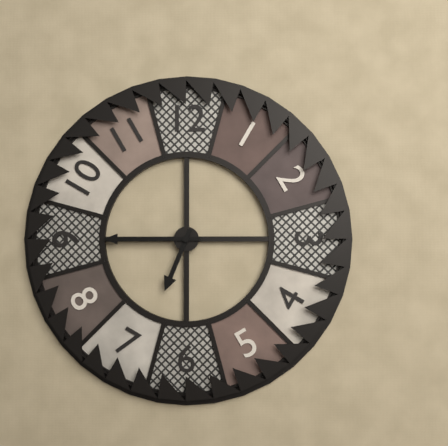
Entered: 6h45
